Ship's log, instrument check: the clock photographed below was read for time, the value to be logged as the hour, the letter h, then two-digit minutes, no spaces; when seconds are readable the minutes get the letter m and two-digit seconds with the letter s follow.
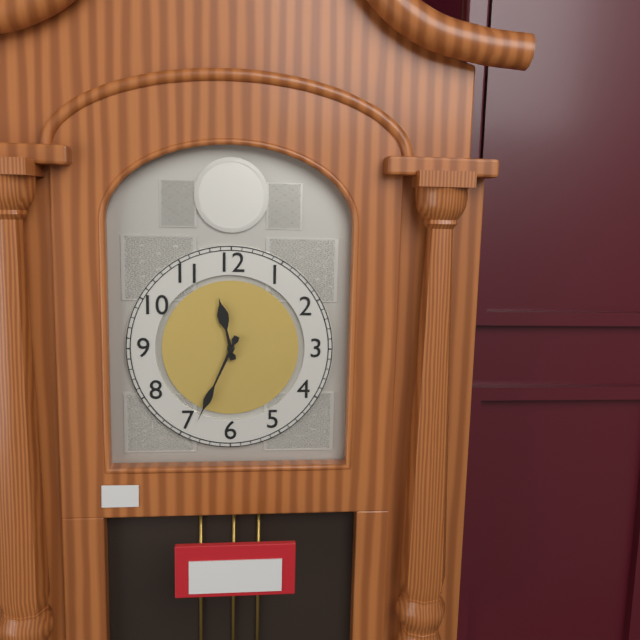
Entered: 11h34
